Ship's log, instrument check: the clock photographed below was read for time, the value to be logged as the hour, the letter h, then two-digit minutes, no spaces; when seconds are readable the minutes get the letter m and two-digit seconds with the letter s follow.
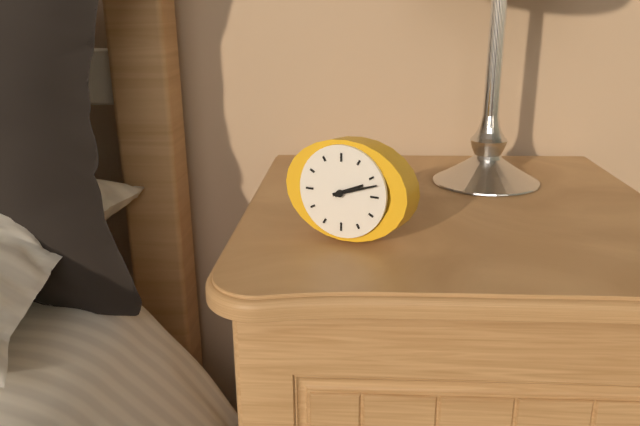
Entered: 2h12
